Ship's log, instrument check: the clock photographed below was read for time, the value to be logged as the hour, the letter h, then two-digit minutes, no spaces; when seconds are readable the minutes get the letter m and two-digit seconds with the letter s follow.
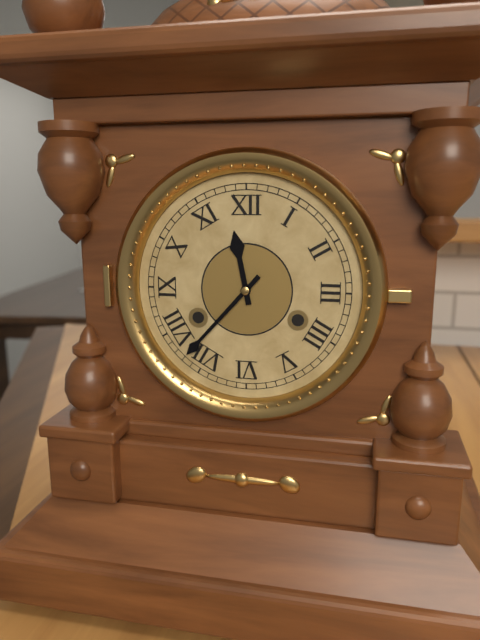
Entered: 11h37
